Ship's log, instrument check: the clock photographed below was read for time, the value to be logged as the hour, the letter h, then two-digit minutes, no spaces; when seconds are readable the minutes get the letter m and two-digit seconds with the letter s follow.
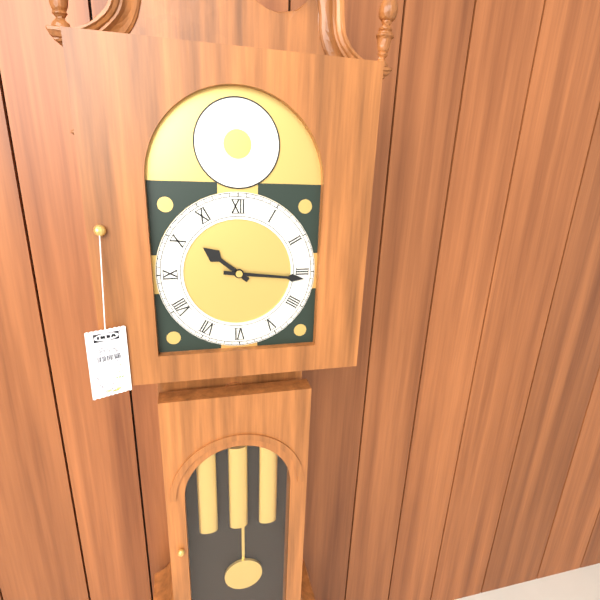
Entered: 10h16
